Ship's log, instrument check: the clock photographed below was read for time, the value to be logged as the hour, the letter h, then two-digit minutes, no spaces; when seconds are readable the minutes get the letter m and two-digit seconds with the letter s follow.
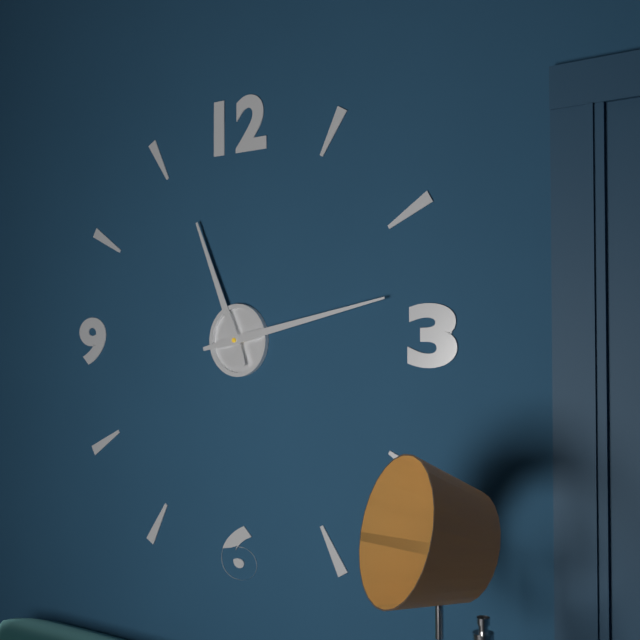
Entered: 11h13
